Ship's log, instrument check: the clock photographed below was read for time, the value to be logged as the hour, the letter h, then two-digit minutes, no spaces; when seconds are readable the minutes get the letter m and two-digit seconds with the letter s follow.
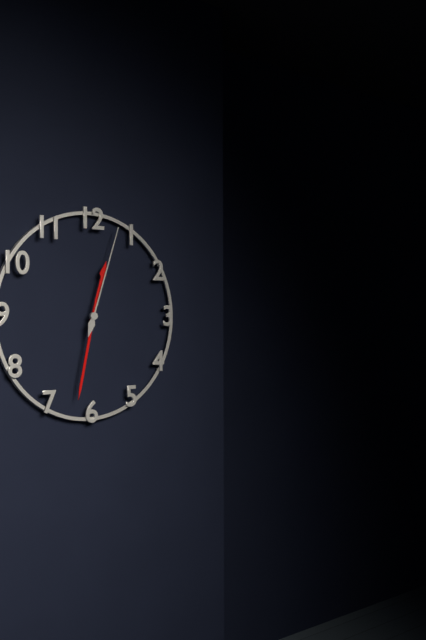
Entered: 12h32m03s
